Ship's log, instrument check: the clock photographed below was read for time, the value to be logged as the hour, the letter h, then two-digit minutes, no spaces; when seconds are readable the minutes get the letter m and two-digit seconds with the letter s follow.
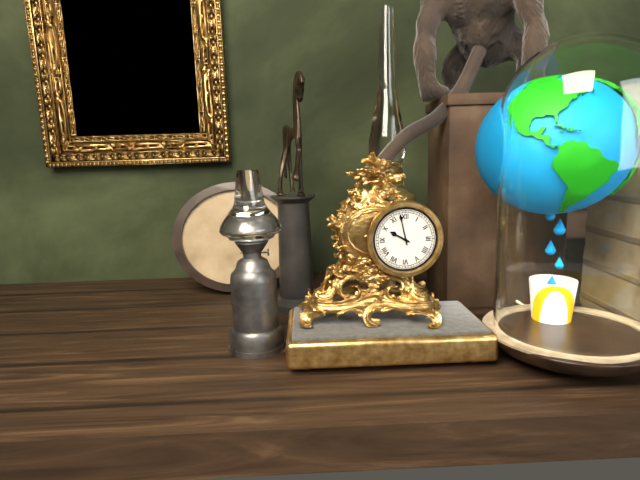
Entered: 9h58
